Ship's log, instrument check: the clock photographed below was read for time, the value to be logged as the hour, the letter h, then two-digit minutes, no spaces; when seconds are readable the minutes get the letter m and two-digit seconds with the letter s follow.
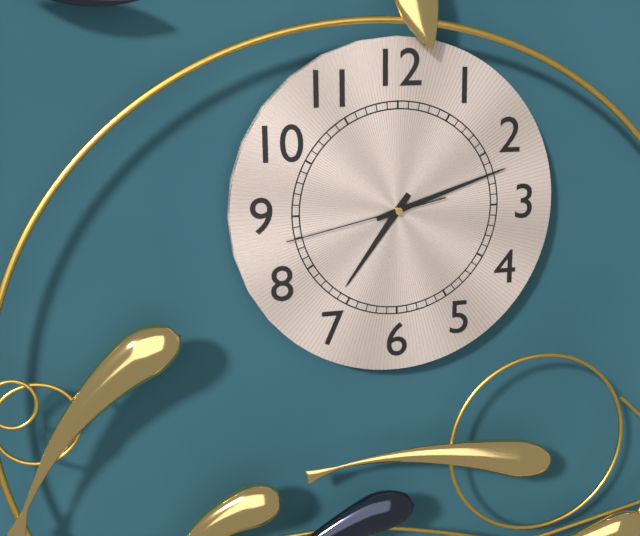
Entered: 7h12m43s
